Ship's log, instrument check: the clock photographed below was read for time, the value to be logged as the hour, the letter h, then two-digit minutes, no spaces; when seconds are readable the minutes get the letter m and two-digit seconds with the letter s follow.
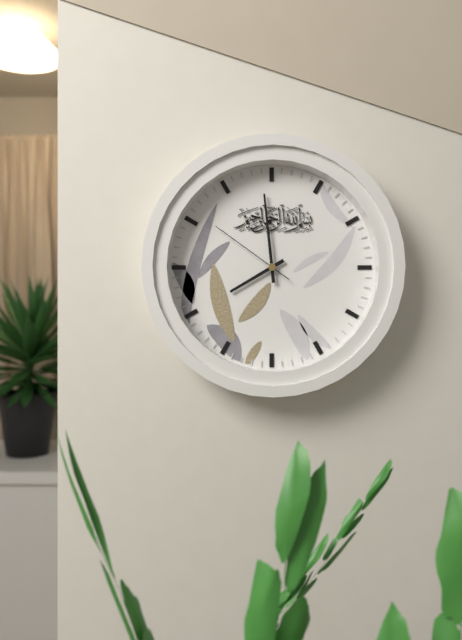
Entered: 7h59m51s
